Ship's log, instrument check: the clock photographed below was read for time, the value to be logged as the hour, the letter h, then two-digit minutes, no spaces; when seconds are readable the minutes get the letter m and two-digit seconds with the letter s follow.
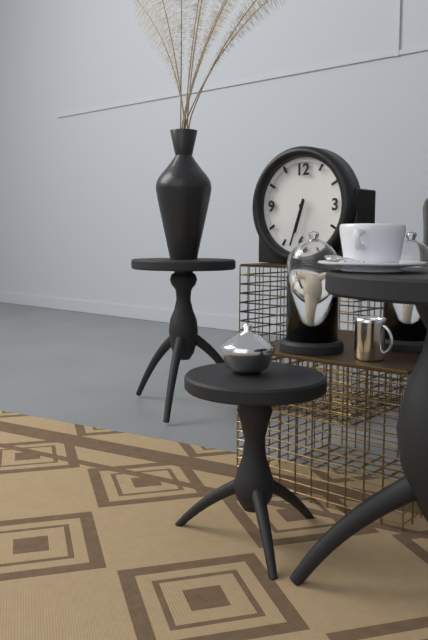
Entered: 6h33
